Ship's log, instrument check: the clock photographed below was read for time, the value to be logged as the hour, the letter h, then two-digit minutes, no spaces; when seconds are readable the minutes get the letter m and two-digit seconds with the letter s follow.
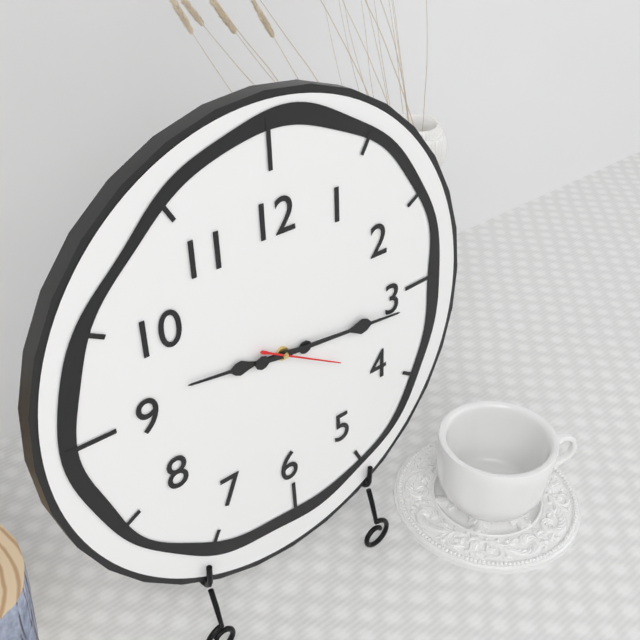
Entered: 9h16m20s
